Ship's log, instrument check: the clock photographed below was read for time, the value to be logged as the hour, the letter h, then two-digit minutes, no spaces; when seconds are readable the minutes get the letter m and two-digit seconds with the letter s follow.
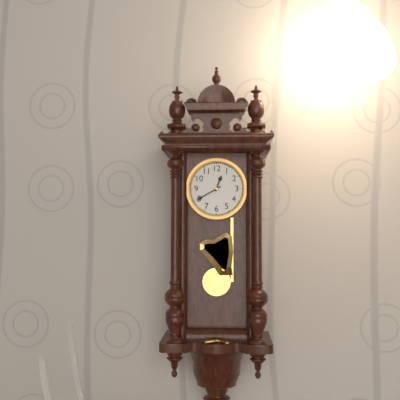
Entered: 12h40
